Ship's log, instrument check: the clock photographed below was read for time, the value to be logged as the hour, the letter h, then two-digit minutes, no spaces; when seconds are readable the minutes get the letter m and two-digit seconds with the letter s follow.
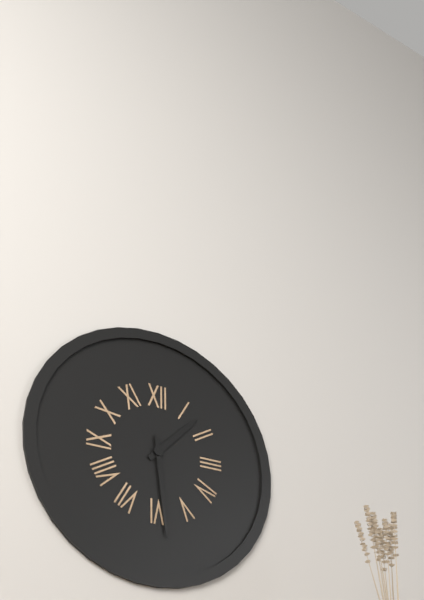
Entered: 1h29
